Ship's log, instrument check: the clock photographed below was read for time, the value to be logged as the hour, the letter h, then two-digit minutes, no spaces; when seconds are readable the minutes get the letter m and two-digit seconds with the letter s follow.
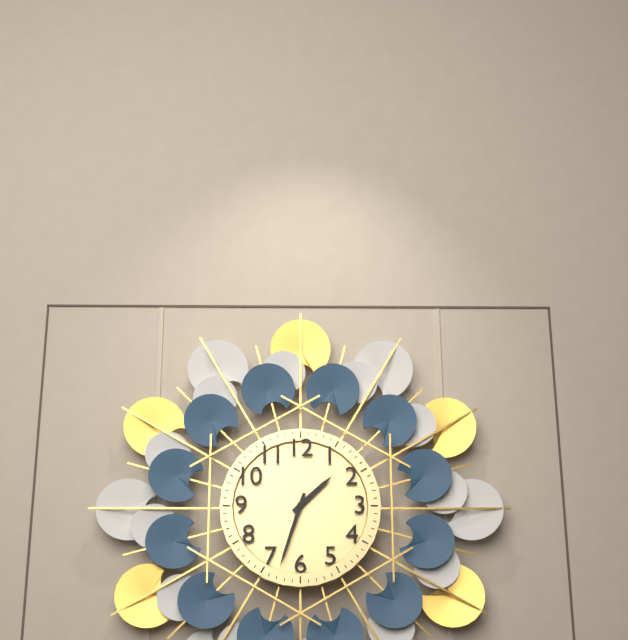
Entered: 1h33
